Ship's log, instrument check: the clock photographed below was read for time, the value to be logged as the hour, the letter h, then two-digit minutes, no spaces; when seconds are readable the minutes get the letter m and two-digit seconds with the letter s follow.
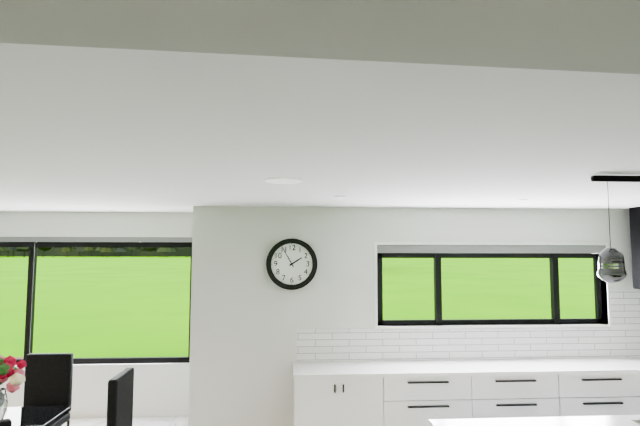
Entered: 1h55
